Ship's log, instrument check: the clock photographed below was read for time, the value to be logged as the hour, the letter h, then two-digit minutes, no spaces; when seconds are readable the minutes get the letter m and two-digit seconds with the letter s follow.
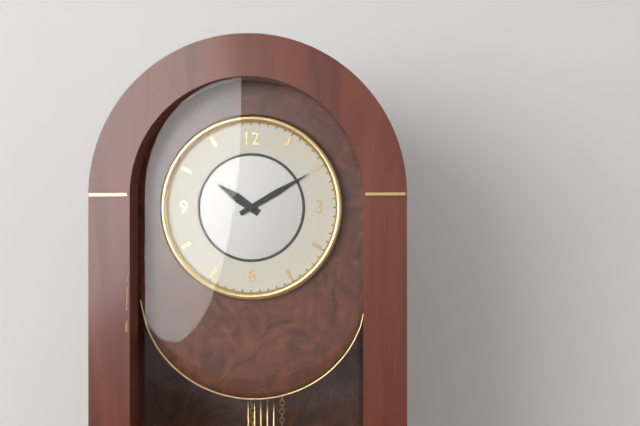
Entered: 10h10
